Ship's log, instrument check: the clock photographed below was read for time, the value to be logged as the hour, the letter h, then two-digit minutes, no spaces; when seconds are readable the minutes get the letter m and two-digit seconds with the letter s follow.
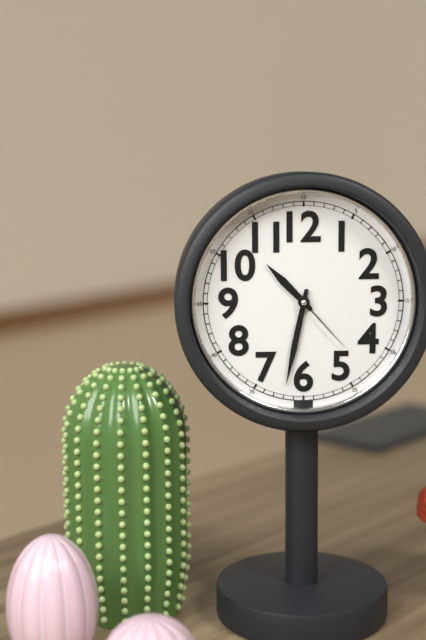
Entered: 10h32m23s
